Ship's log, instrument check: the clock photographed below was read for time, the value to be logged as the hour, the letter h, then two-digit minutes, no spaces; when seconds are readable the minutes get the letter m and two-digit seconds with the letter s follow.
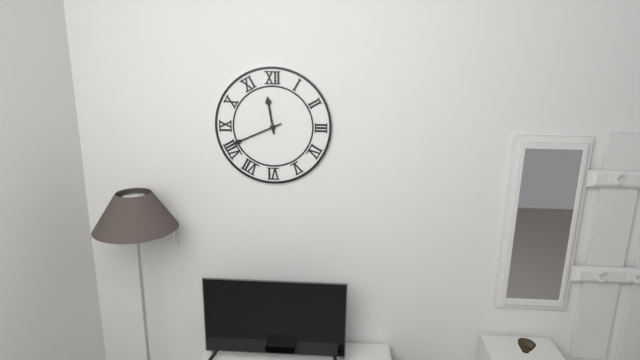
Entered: 11h41
